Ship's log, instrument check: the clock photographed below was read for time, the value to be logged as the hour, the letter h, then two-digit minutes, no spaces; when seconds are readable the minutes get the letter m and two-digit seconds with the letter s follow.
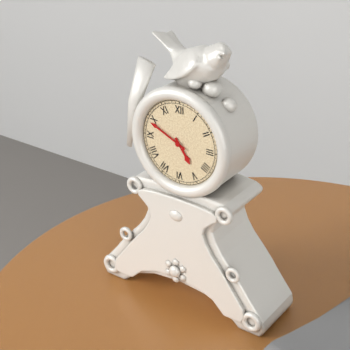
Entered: 4h49
